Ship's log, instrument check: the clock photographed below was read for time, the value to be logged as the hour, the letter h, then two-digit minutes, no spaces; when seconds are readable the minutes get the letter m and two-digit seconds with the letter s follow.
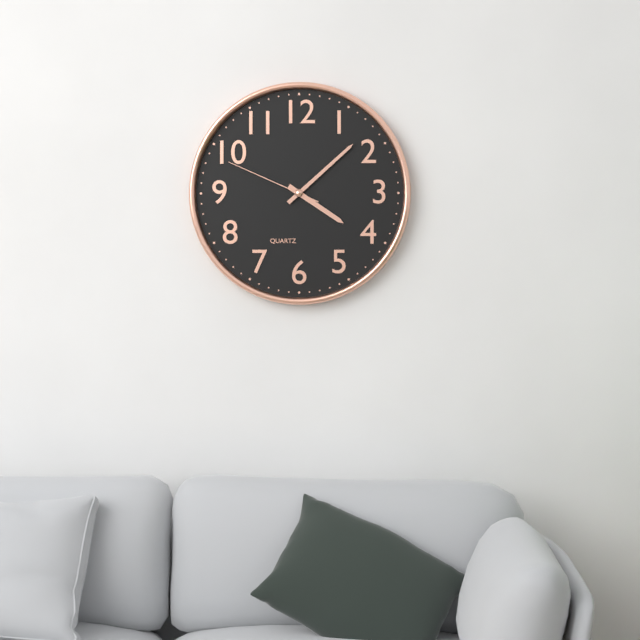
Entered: 4h08m49s
